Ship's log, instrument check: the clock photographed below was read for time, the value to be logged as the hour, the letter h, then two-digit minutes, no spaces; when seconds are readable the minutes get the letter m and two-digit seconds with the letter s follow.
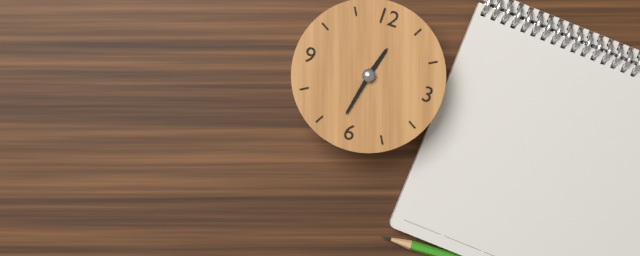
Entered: 12h32
